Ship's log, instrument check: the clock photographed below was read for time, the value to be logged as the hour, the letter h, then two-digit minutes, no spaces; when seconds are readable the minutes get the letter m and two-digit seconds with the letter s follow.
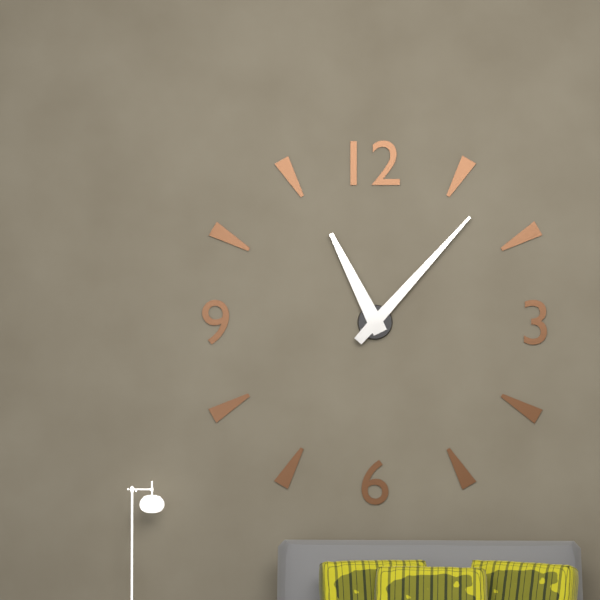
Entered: 11h07
